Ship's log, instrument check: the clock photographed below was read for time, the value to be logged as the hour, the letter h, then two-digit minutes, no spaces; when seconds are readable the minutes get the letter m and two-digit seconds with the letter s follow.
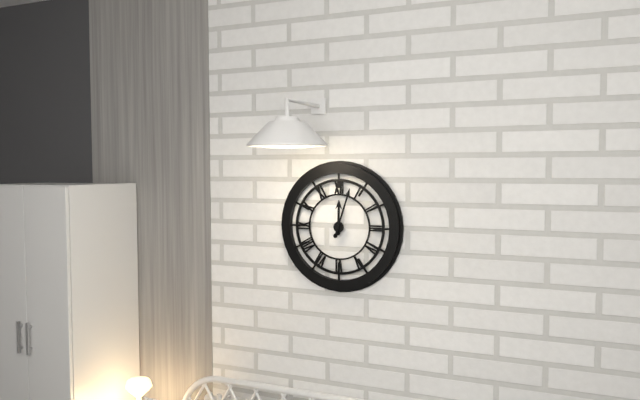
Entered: 12h03
